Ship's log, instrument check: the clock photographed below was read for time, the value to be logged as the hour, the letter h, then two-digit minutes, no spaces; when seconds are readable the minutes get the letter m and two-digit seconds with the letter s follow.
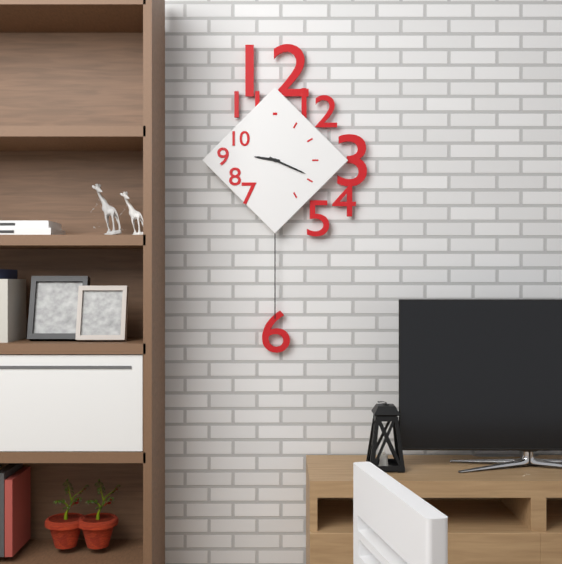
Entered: 9h19
